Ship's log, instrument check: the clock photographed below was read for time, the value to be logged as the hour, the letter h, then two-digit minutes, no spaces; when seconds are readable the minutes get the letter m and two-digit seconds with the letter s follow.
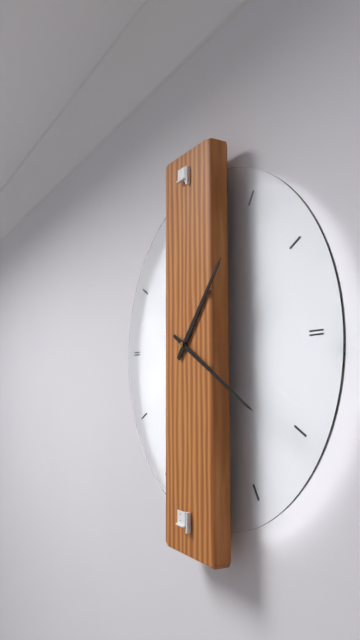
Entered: 1h20
